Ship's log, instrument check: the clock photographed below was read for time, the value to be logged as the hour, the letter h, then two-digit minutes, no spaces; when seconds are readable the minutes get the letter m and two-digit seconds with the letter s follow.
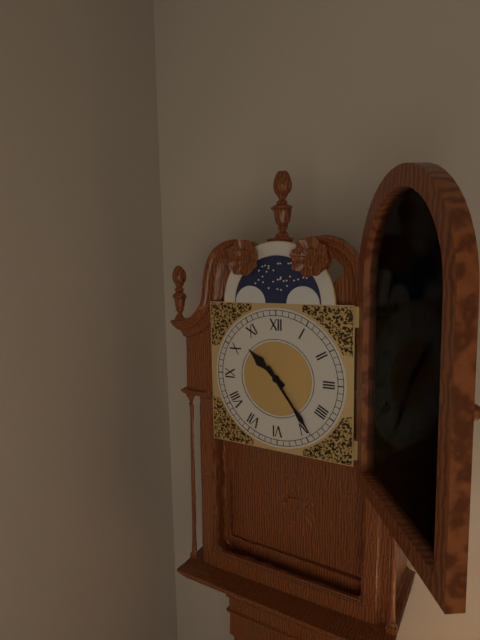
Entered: 10h24
